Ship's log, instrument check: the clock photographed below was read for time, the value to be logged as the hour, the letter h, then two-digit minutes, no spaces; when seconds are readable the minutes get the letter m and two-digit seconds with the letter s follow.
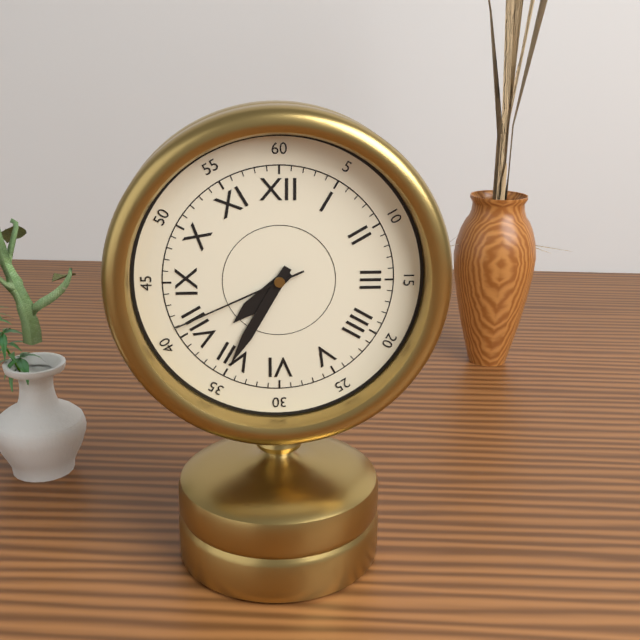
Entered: 7h35m41s
